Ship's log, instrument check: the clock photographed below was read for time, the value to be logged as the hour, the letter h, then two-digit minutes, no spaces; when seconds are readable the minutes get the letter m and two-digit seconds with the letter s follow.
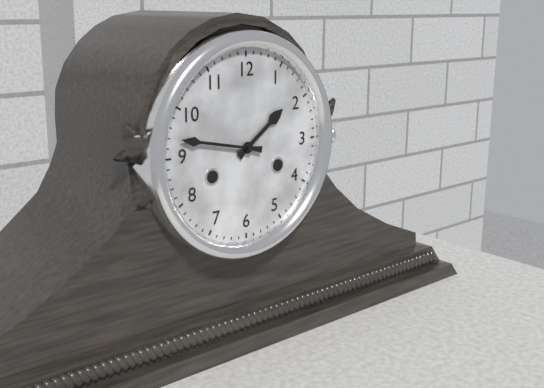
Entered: 1h47
